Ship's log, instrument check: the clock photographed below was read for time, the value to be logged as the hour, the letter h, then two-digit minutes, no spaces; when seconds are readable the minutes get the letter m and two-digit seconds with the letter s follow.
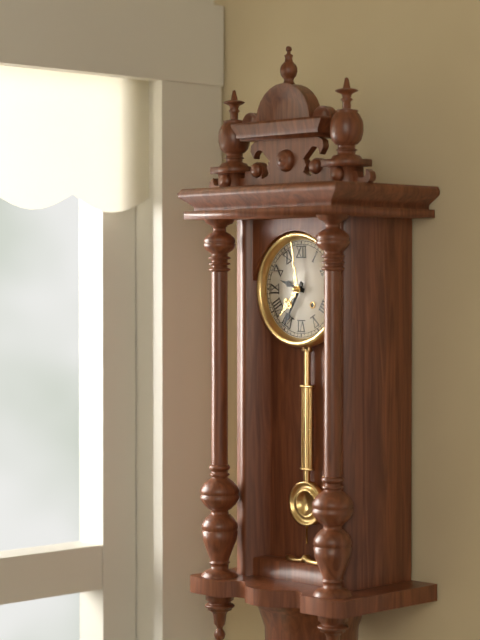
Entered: 9h35
